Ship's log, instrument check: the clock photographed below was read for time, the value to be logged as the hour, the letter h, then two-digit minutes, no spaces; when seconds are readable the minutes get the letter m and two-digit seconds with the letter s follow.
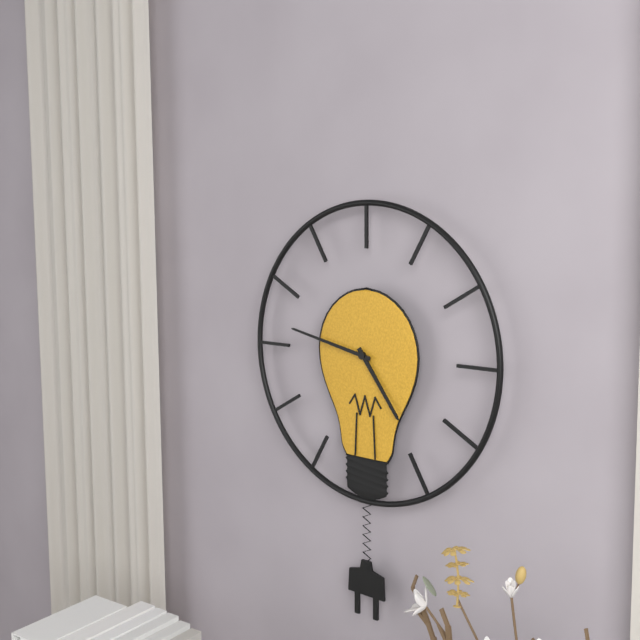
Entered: 4h47
